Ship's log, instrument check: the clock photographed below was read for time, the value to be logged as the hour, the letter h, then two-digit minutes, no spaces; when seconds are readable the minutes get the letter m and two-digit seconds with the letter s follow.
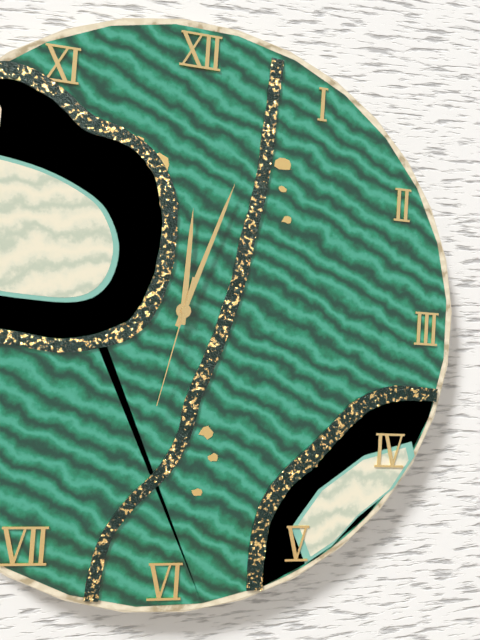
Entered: 12h03m32s
